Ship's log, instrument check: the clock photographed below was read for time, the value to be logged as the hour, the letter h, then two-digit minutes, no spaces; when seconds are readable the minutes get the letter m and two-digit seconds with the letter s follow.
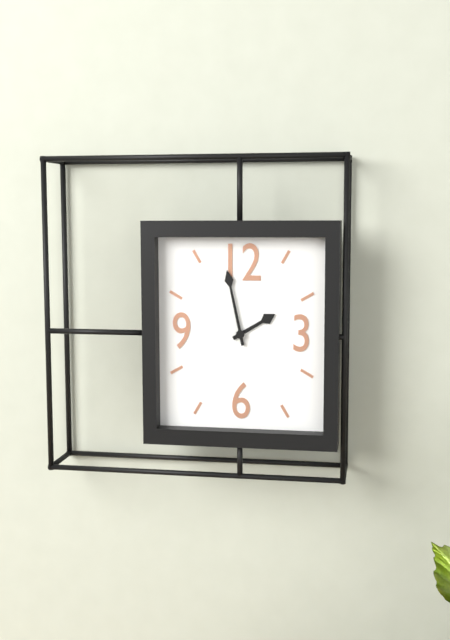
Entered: 1h58
